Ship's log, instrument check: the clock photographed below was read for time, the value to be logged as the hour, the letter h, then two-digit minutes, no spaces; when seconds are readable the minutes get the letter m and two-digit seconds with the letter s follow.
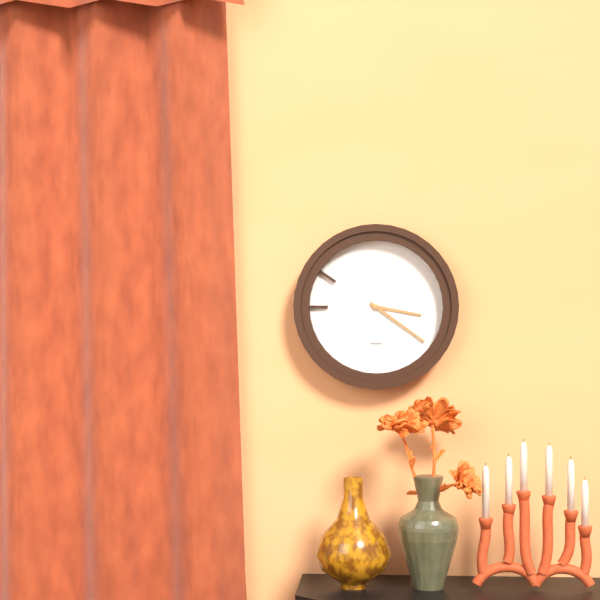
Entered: 3h21
